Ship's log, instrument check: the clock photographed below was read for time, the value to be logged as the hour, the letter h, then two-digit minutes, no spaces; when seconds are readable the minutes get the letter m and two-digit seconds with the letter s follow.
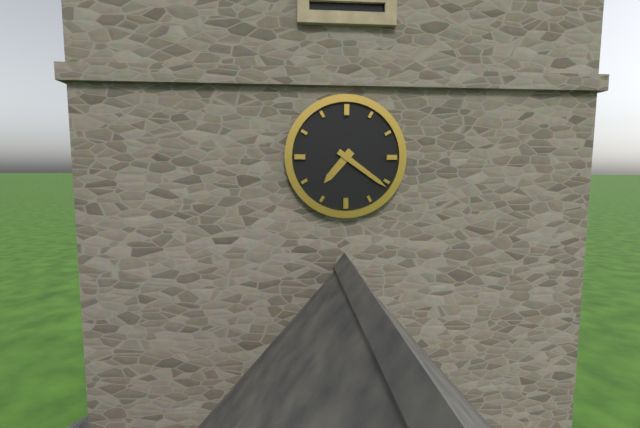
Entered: 7h21
